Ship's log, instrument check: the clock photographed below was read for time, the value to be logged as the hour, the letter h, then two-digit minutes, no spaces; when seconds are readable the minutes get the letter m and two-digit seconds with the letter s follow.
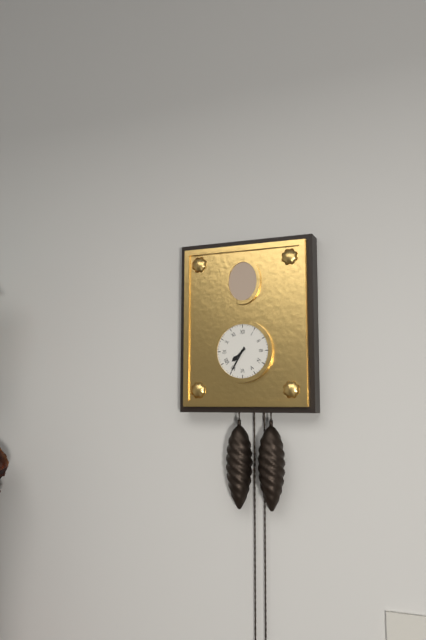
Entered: 7h35
